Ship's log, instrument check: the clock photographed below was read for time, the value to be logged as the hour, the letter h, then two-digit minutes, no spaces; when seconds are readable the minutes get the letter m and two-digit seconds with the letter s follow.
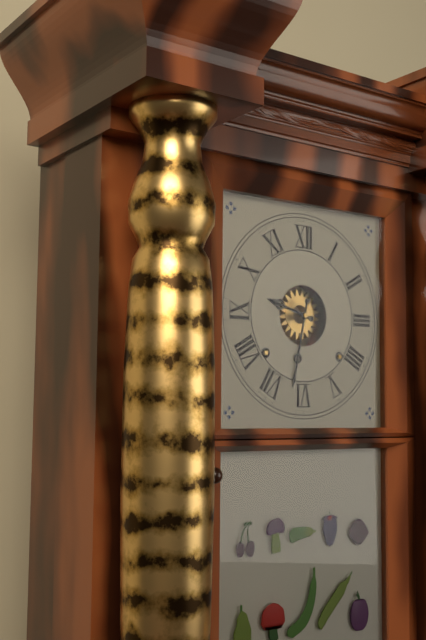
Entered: 9h32
